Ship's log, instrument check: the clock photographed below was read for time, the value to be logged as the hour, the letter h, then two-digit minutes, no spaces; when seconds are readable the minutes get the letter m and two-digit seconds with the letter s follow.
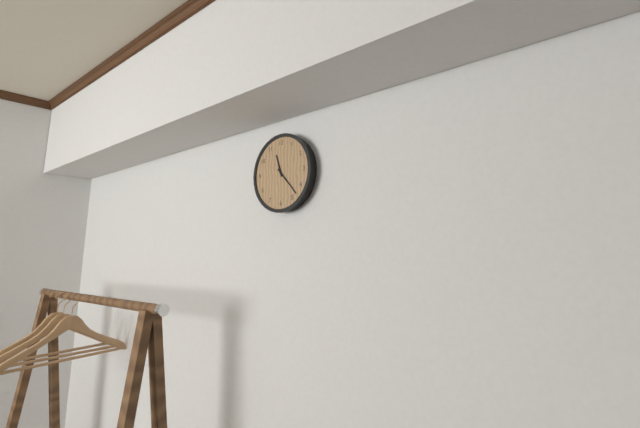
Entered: 11h23
